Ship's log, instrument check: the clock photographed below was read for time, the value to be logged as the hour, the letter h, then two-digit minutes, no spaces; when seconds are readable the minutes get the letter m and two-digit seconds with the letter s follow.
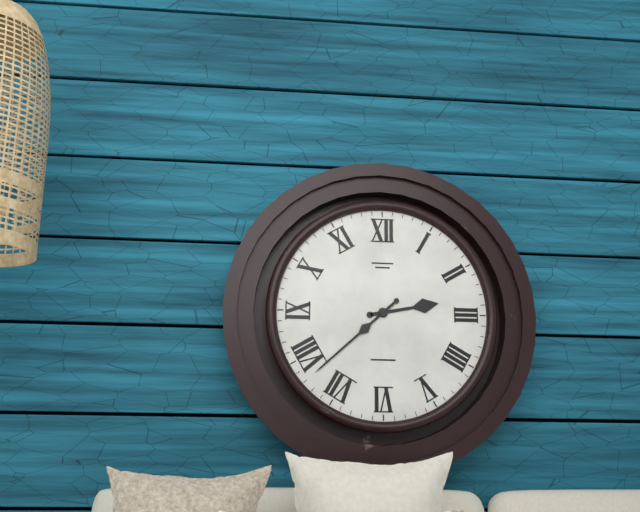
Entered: 2h38
